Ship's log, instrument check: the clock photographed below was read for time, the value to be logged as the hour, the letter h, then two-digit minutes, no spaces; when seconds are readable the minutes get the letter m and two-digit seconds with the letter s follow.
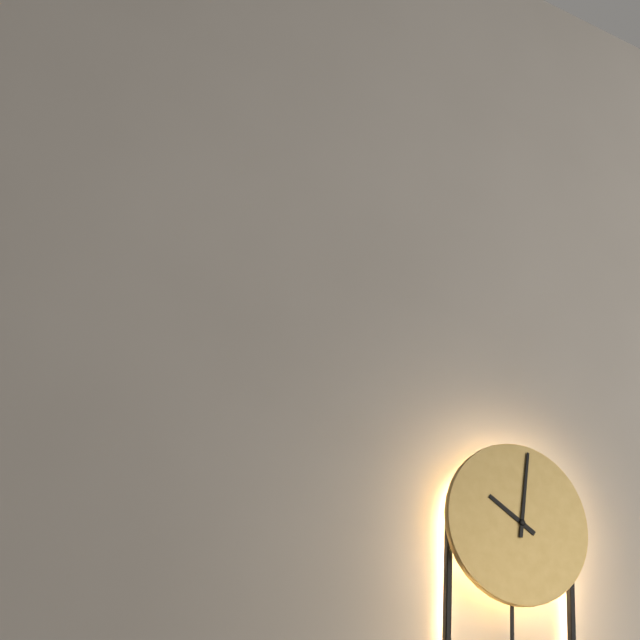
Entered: 10h01
